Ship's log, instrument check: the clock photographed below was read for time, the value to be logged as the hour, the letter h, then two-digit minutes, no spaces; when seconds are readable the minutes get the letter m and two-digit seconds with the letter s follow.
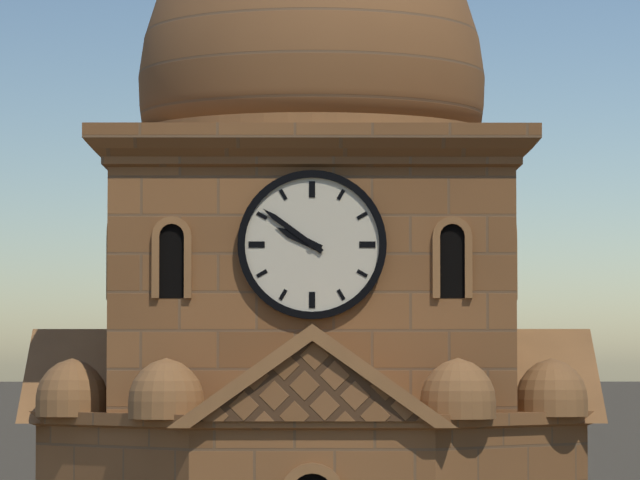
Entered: 9h51
